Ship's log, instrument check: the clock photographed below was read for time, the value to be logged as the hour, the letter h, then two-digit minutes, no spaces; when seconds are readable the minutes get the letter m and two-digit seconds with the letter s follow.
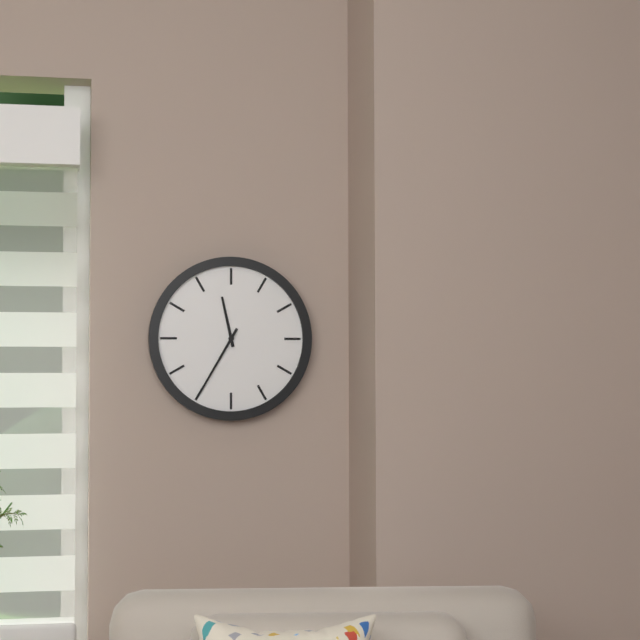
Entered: 11h35
